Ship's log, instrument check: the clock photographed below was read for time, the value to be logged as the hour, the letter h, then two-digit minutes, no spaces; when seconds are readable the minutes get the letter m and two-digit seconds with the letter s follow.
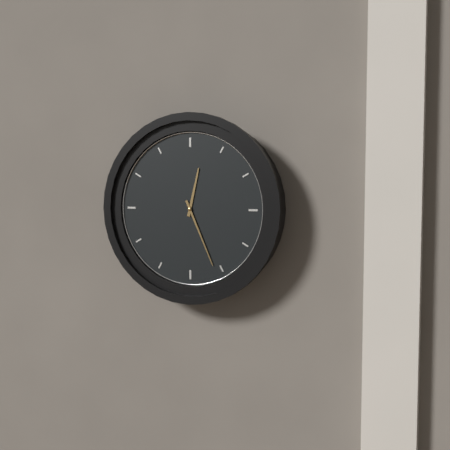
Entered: 12h26
